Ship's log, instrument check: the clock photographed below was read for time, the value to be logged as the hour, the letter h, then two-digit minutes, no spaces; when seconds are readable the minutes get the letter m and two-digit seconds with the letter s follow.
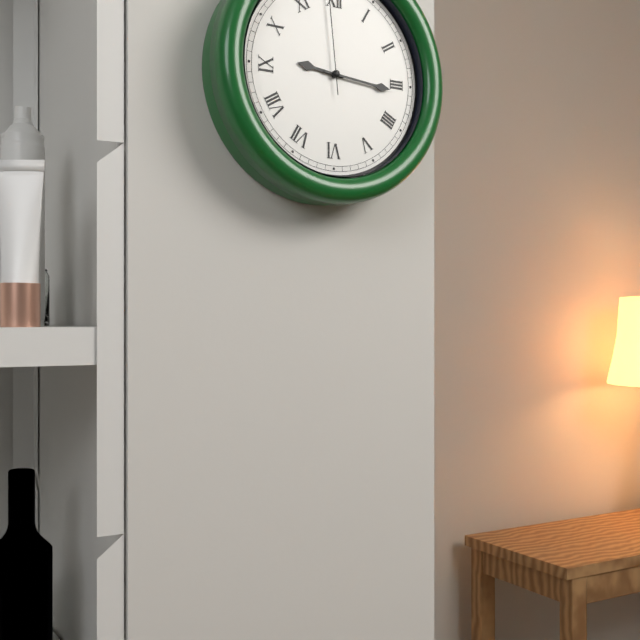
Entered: 9h16
